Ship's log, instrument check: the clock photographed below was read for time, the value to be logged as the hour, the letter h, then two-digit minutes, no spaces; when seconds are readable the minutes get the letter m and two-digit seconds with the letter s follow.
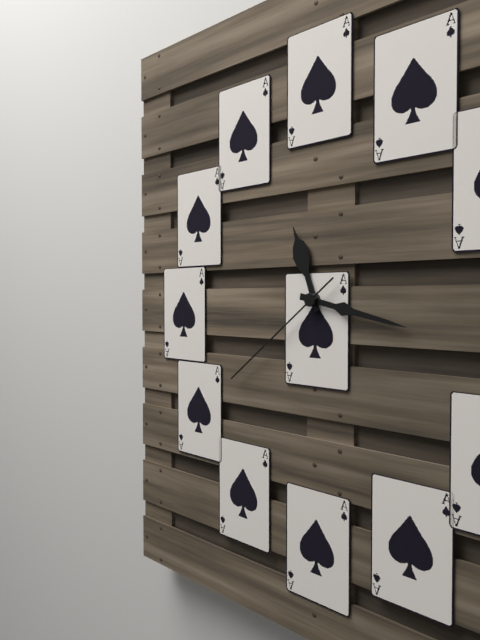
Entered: 11h17m39s
